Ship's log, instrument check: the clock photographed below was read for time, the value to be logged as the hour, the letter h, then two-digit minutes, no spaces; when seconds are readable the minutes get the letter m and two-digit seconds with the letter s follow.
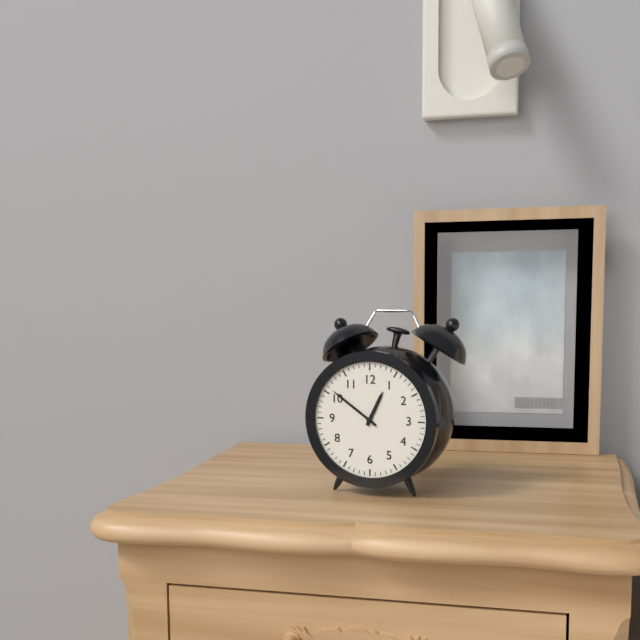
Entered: 12h51
